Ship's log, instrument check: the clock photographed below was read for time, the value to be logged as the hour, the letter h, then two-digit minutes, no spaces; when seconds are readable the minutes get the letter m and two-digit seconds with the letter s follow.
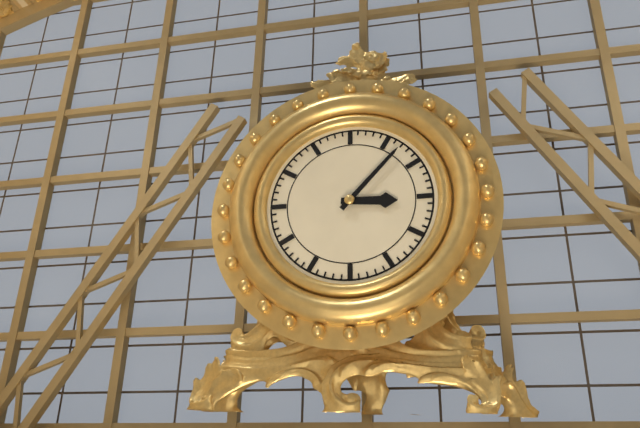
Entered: 3h07
